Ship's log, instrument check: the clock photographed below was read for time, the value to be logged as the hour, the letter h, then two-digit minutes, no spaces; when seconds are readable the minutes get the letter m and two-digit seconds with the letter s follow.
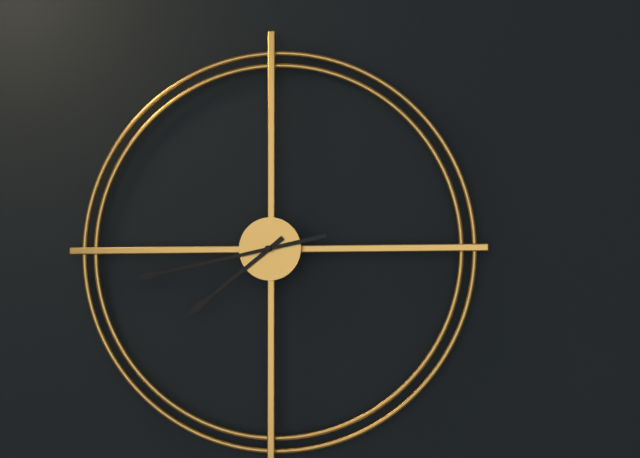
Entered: 7h43
